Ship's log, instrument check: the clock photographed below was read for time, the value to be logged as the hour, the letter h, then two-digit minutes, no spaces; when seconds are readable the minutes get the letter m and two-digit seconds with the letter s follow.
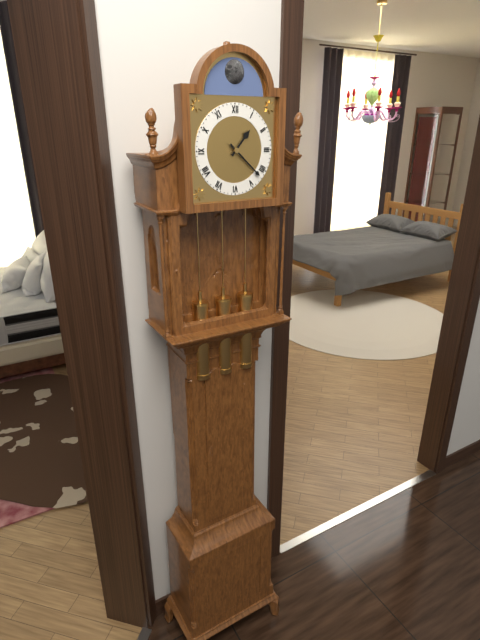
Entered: 1h22
